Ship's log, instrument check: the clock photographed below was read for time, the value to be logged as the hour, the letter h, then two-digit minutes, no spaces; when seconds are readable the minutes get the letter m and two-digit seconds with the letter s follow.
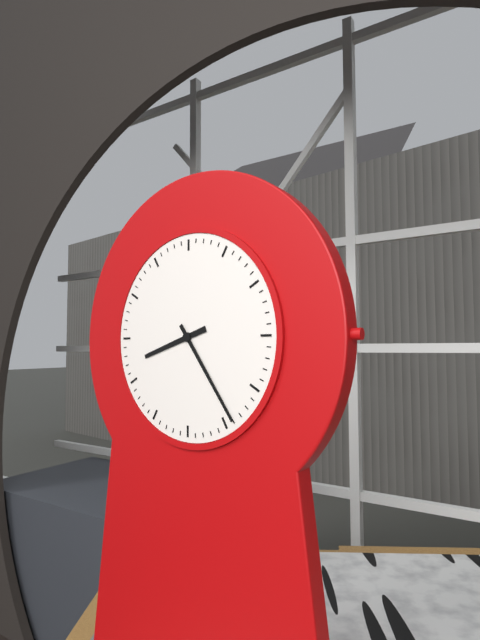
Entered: 8h24
